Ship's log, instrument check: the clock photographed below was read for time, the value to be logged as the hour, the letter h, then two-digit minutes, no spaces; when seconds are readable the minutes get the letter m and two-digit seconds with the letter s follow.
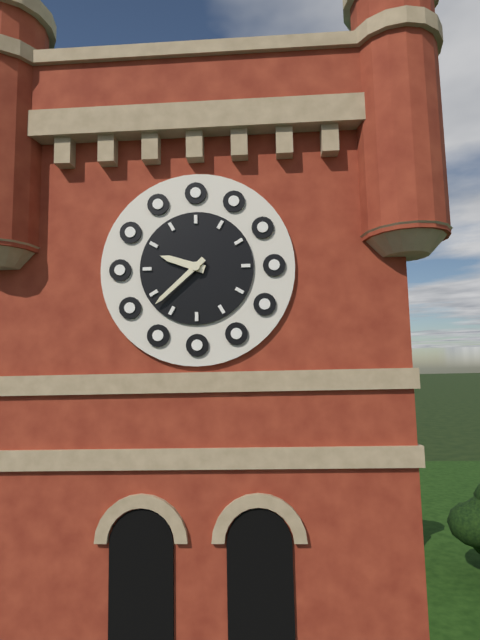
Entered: 9h38
